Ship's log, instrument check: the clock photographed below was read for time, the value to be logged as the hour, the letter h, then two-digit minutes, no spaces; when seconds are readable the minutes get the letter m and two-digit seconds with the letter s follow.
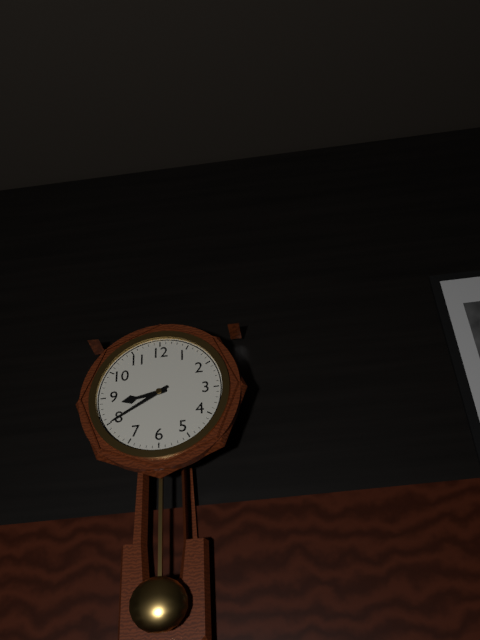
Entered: 8h40
